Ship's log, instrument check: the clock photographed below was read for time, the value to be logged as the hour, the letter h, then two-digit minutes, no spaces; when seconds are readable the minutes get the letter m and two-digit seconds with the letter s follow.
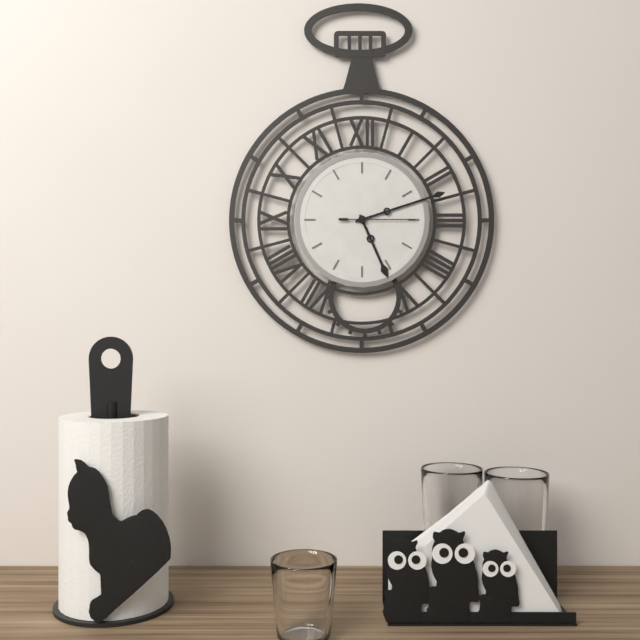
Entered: 5h12m15s
